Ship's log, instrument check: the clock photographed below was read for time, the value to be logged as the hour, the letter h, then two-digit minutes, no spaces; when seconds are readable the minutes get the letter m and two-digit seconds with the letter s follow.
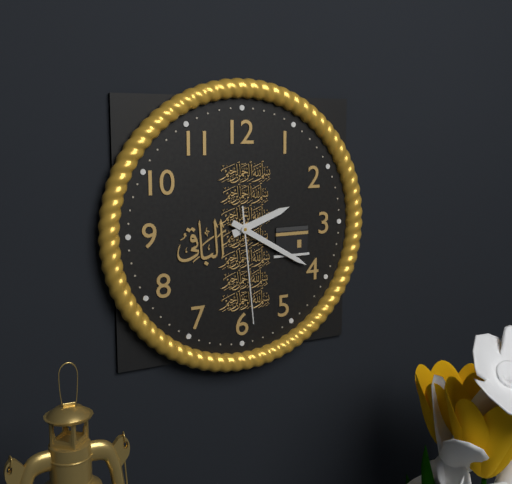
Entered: 2h20m29s
